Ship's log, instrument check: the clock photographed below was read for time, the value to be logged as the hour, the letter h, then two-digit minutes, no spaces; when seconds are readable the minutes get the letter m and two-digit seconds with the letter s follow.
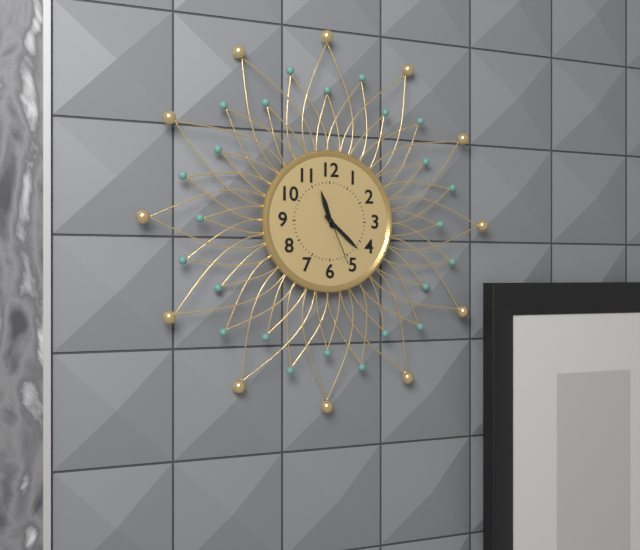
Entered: 11h22m26s
